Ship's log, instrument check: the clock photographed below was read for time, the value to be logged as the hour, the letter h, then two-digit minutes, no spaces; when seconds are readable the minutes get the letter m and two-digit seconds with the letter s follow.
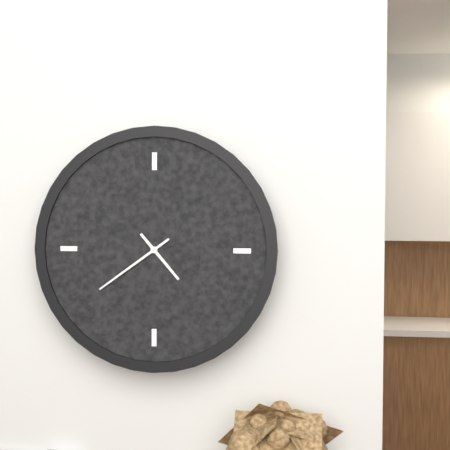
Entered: 4h39
